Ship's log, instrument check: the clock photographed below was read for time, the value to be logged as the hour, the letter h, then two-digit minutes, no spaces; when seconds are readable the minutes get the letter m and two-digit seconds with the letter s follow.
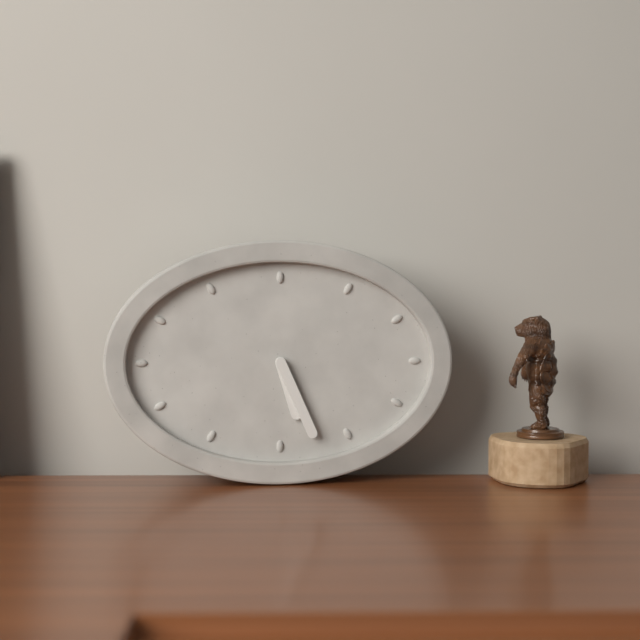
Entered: 5h26
